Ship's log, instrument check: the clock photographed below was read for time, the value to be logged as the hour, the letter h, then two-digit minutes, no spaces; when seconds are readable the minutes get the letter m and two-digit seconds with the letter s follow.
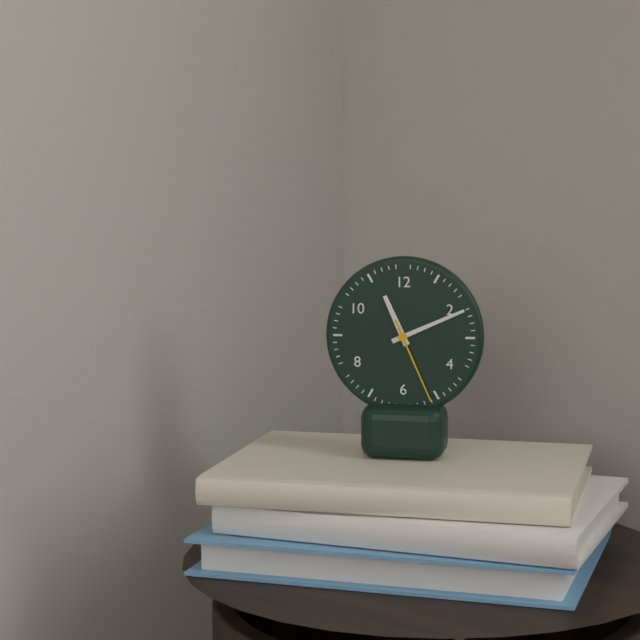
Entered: 11h11m26s
